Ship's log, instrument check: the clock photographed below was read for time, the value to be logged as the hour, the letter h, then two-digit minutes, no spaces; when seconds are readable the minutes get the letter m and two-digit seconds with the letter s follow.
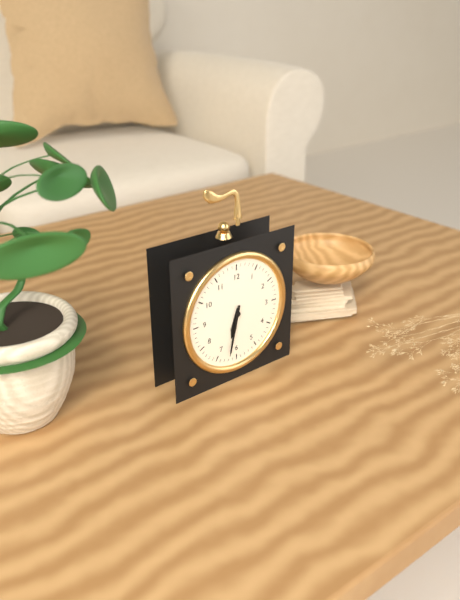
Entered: 6h32
